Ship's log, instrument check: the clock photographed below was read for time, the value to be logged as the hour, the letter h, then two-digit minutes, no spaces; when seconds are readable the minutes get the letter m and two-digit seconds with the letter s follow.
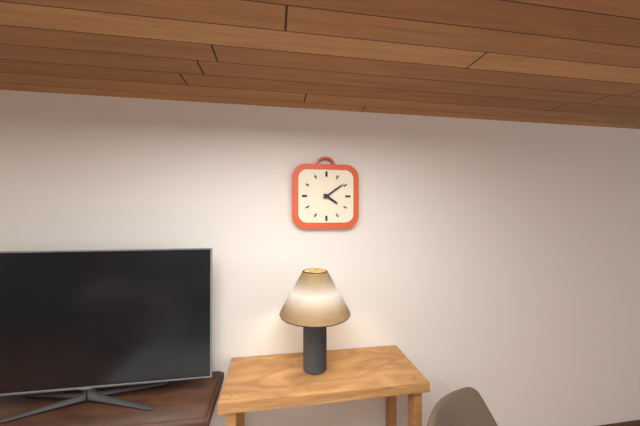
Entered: 4h09
